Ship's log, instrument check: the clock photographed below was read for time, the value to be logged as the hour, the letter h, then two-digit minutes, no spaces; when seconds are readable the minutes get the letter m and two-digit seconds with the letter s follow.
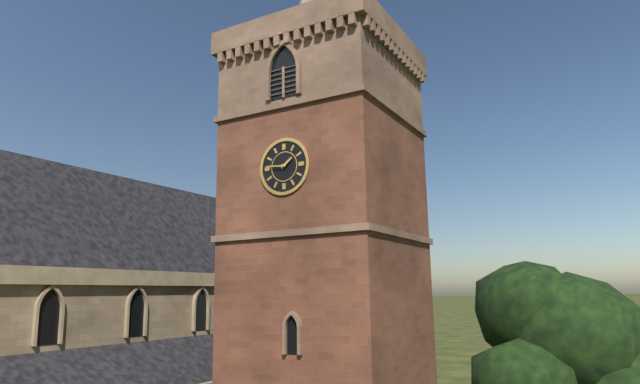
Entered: 1h46
